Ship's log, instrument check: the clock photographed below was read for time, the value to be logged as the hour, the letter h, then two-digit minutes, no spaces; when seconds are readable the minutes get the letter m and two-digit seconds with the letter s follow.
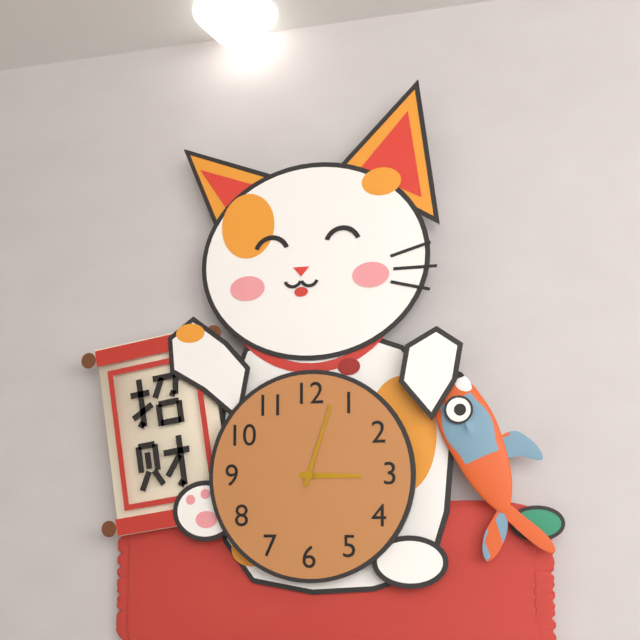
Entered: 3h03
